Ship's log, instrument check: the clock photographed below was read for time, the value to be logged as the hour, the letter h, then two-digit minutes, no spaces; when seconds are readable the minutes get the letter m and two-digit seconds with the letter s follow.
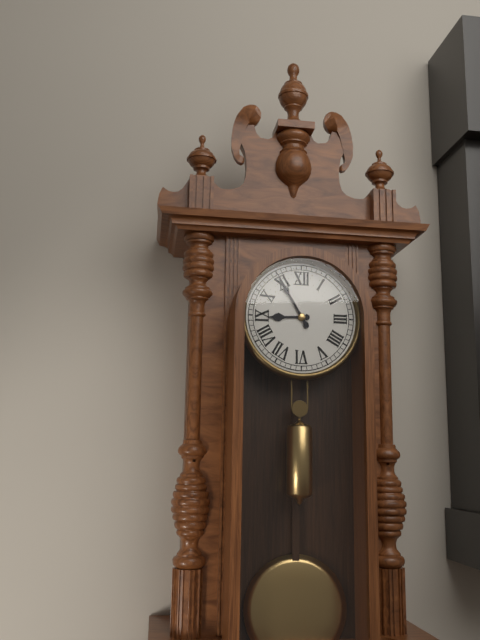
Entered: 8h55
